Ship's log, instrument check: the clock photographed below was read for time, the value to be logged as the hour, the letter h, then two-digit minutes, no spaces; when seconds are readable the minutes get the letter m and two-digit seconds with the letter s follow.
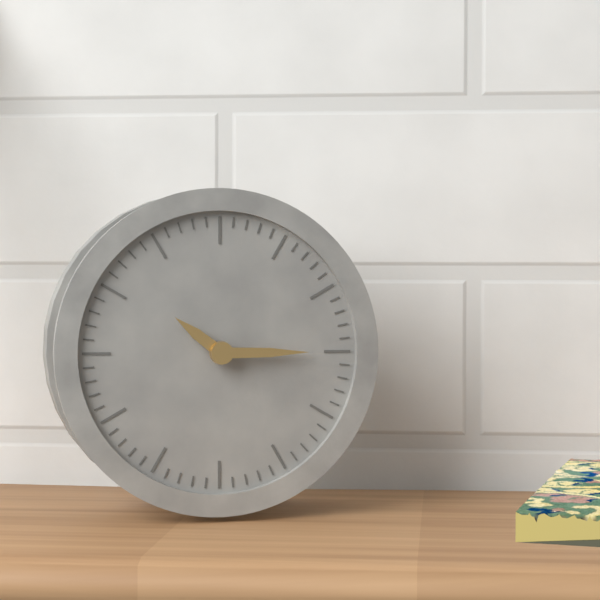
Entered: 10h15
